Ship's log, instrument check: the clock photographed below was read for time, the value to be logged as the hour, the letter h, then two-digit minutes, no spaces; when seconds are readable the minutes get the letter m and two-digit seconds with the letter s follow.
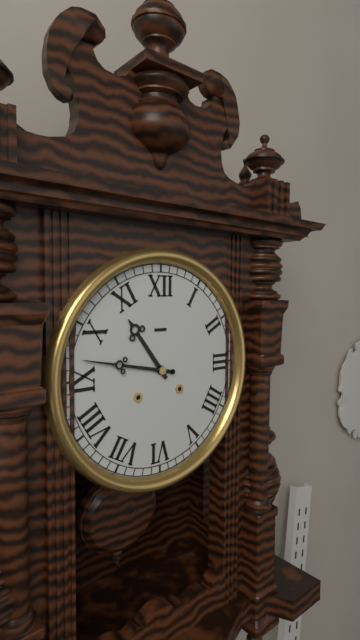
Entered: 10h47
